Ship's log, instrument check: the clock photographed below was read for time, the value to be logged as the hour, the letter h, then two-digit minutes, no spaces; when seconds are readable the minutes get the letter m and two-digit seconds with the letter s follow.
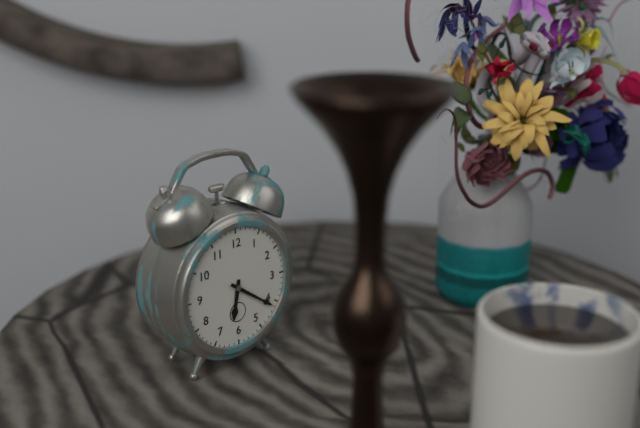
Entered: 6h21
